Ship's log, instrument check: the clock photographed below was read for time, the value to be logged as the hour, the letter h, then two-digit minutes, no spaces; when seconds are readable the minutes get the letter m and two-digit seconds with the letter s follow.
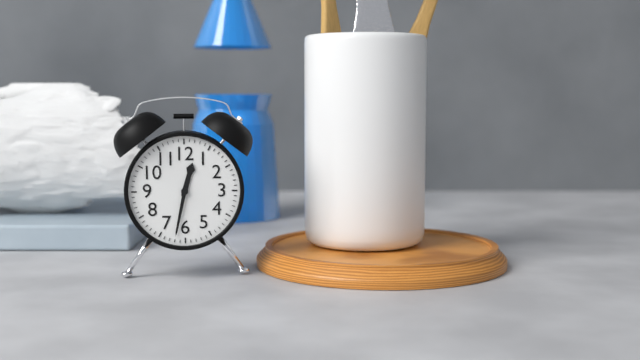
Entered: 12h32
